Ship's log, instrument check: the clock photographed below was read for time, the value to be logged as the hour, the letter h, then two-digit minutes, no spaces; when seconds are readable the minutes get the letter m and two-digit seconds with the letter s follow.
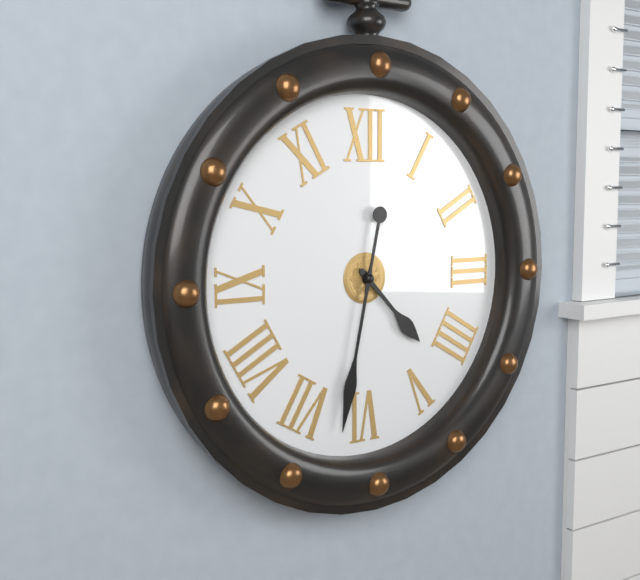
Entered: 4h32
